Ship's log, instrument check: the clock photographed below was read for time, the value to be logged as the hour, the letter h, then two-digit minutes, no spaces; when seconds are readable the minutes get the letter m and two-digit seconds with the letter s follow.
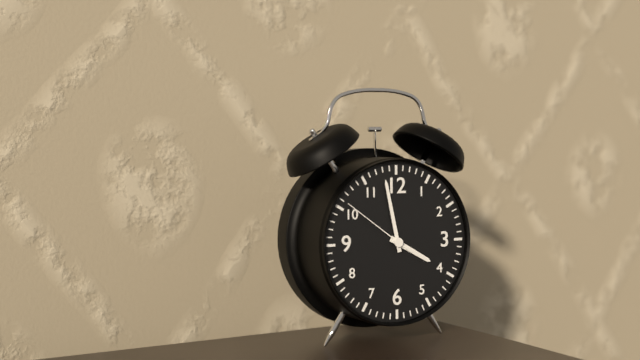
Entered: 3h58m51s
